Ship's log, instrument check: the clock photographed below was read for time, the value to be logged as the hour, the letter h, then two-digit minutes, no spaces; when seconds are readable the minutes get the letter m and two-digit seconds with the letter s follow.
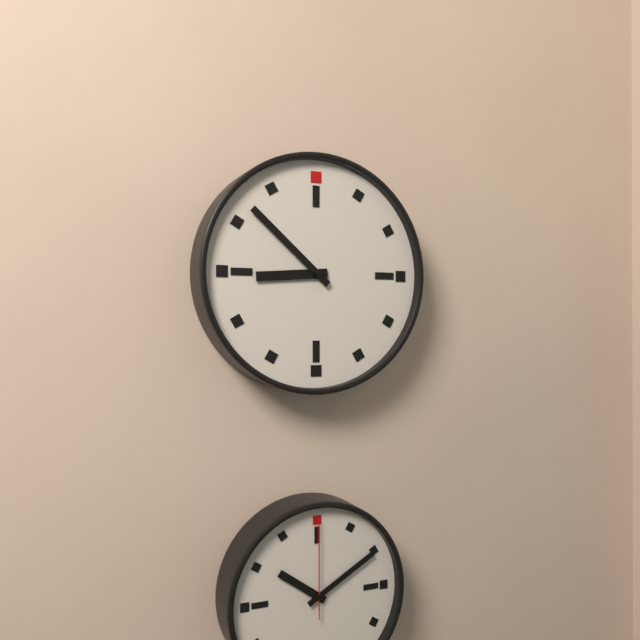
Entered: 8h52
